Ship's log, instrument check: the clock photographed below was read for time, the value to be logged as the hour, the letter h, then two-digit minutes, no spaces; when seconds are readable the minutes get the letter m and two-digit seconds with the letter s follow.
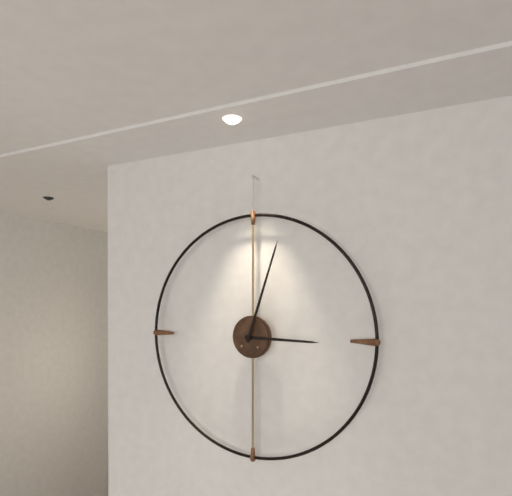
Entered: 3h03
